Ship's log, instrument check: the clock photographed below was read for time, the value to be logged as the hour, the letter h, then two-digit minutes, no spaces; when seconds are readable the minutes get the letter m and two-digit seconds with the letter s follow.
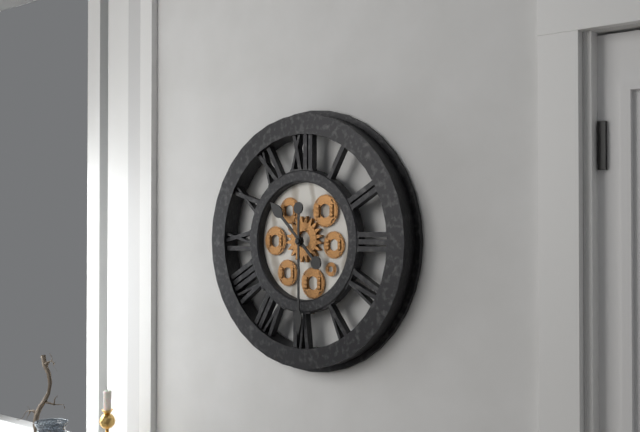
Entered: 10h30
